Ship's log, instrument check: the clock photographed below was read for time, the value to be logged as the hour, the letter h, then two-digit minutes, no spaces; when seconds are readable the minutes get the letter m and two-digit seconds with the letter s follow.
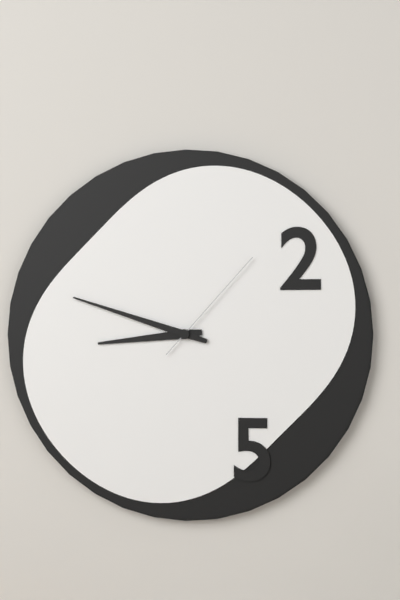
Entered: 8h48m07s
